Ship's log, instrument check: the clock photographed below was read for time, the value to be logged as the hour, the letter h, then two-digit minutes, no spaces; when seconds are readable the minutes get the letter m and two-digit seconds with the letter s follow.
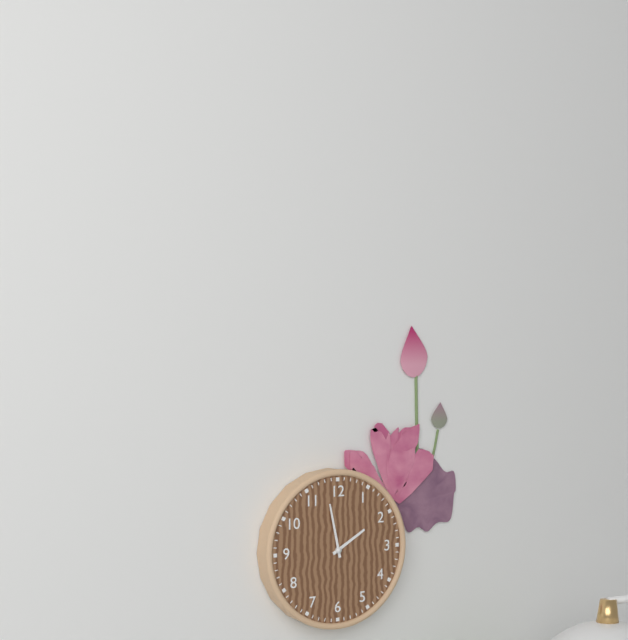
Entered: 1h58
